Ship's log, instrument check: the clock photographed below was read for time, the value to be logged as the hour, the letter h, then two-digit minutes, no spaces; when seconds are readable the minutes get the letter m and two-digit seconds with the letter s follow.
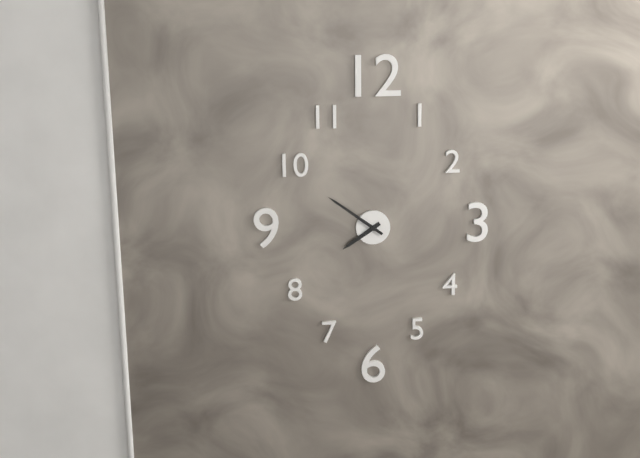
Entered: 7h51
